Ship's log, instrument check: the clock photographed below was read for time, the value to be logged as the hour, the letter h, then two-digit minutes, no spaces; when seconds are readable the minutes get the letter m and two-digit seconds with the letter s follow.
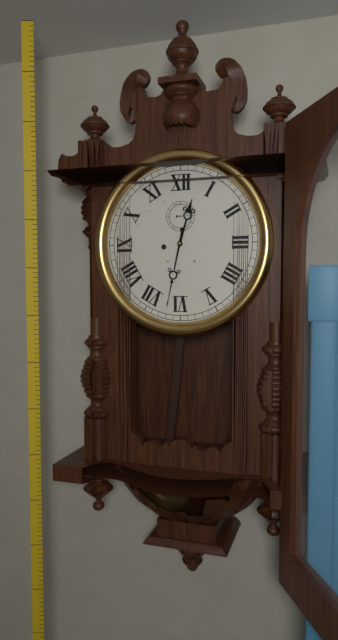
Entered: 12h32
